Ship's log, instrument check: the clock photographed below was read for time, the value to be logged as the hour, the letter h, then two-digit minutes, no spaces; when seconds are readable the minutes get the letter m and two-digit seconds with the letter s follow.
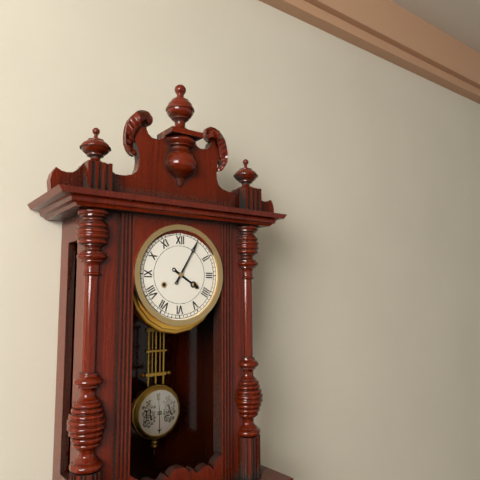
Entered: 4h05
